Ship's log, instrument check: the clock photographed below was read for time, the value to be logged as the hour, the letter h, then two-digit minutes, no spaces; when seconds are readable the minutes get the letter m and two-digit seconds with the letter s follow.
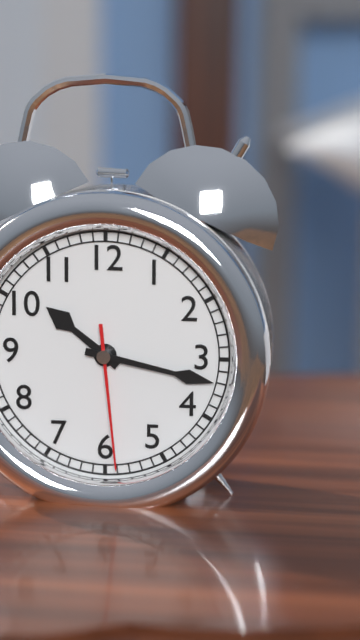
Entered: 10h17m29s
